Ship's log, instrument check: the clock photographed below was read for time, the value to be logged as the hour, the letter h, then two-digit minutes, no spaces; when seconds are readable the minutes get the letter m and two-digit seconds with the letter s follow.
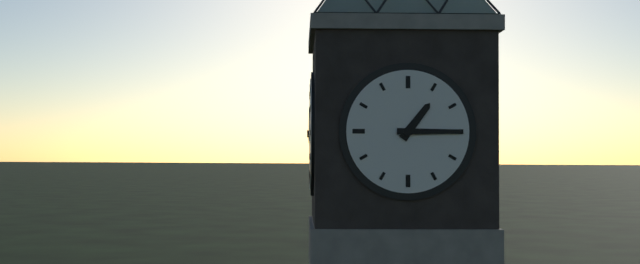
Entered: 1h15
